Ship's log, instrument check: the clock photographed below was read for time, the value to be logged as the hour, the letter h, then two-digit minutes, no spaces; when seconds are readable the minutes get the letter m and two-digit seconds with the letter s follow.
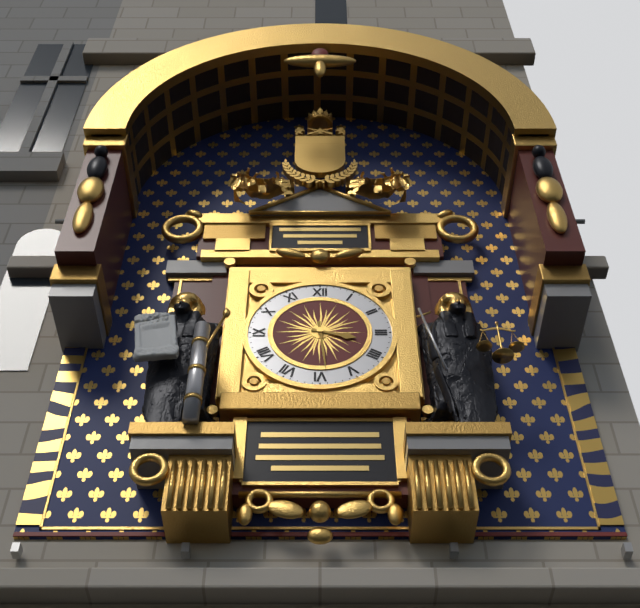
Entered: 3h29
